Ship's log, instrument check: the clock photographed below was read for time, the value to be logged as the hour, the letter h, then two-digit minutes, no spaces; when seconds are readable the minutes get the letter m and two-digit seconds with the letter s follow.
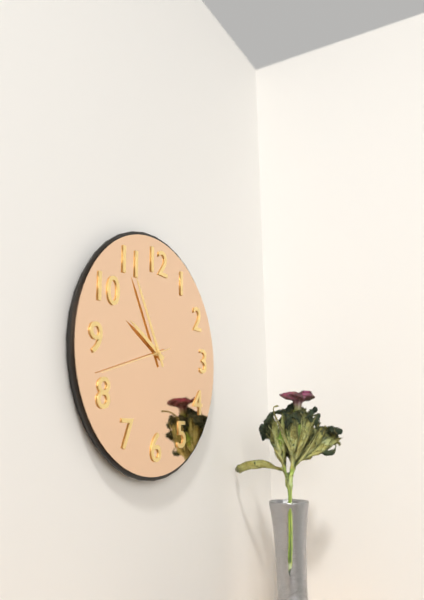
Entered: 9h55m42s
